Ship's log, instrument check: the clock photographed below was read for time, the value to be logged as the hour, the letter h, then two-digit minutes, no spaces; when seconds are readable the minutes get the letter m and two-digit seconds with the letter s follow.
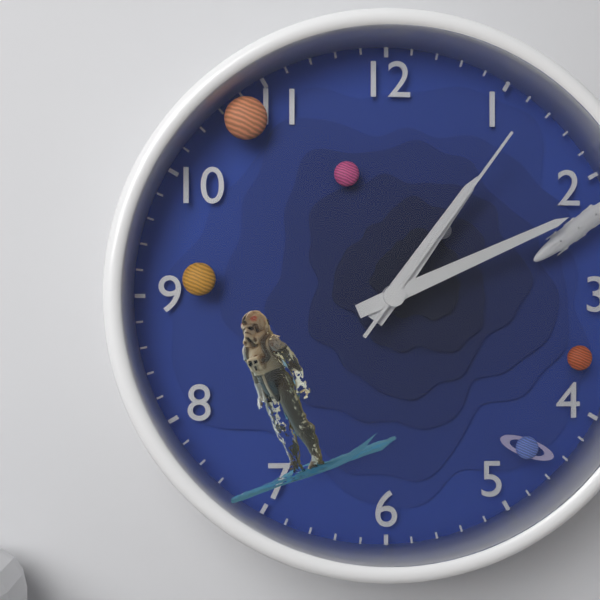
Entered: 1h11m06s
